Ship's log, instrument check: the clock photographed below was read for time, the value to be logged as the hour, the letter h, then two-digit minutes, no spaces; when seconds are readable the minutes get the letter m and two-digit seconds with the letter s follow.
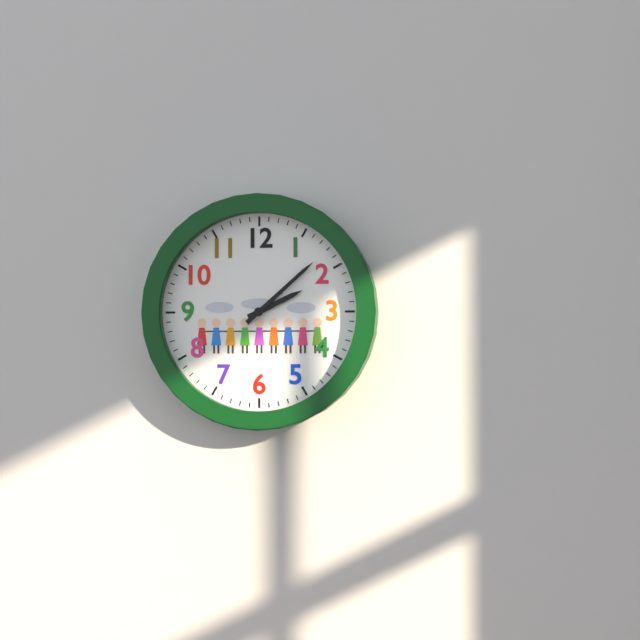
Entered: 2h08
